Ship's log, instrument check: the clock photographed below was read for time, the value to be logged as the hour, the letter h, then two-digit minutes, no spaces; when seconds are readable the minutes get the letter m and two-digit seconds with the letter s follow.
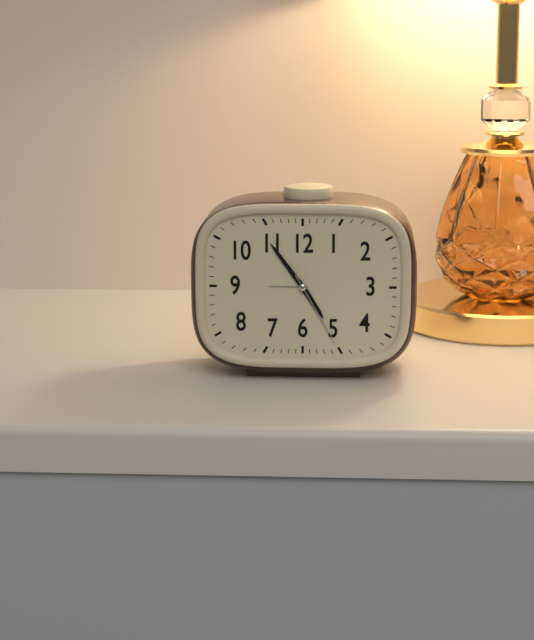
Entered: 4h54m25s
